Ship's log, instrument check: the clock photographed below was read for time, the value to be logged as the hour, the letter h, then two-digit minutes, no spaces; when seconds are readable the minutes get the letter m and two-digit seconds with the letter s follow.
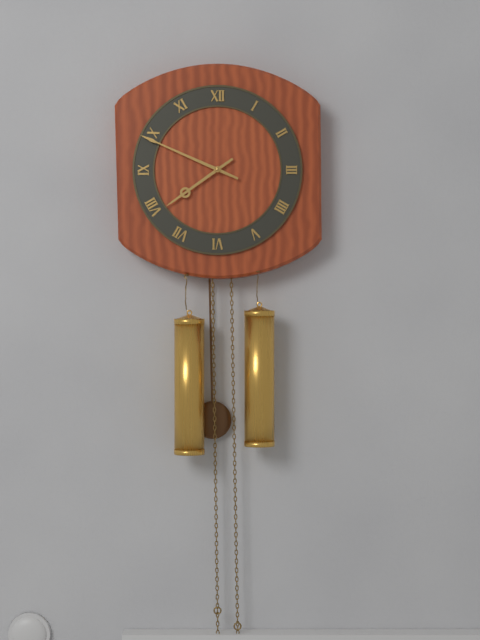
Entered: 7h49
